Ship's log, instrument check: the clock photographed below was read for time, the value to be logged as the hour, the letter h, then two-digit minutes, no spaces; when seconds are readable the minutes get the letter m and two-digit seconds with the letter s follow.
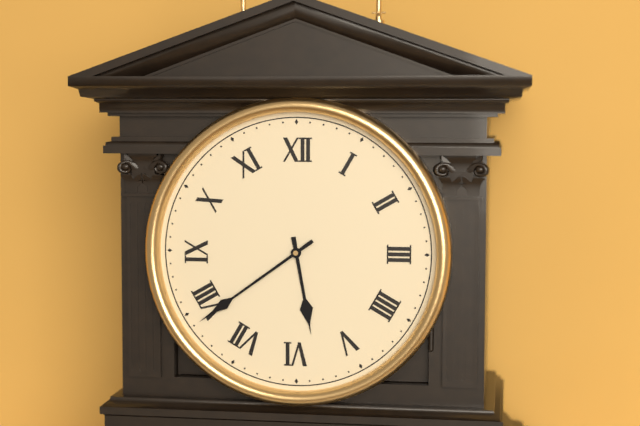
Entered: 5h39
